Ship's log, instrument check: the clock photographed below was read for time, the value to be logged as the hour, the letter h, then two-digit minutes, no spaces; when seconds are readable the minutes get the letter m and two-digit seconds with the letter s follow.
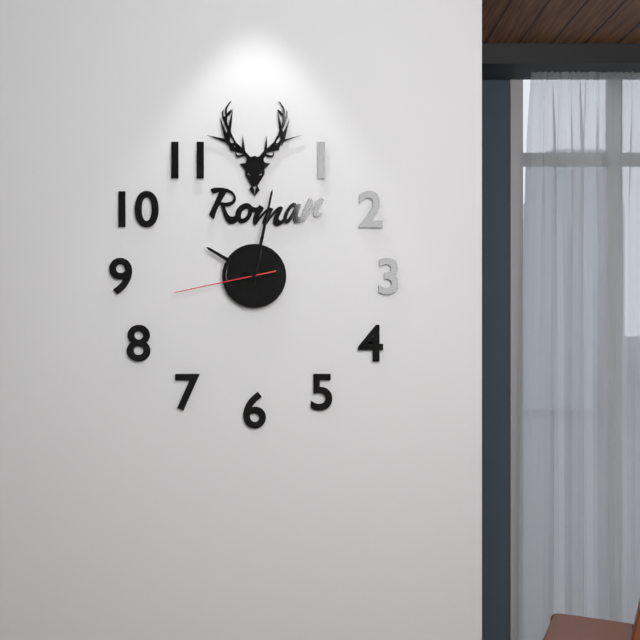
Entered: 10h02m43s
